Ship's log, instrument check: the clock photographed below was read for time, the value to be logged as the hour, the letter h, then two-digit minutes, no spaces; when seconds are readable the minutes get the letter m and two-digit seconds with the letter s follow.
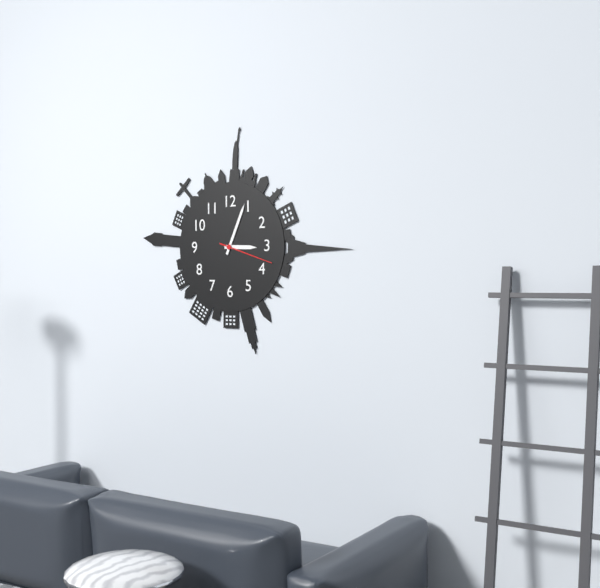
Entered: 3h04m18s
